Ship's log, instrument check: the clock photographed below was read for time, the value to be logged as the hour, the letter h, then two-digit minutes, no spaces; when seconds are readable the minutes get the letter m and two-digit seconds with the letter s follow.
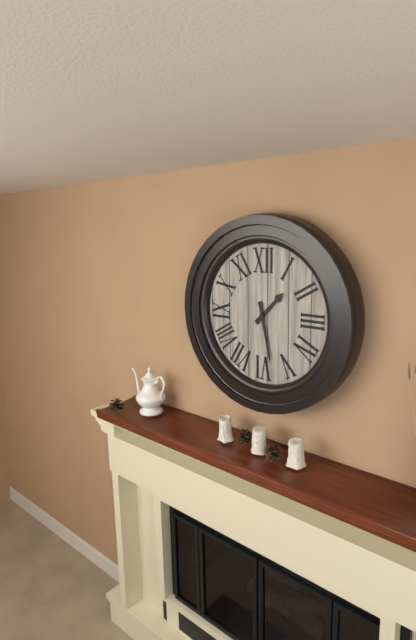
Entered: 1h28
